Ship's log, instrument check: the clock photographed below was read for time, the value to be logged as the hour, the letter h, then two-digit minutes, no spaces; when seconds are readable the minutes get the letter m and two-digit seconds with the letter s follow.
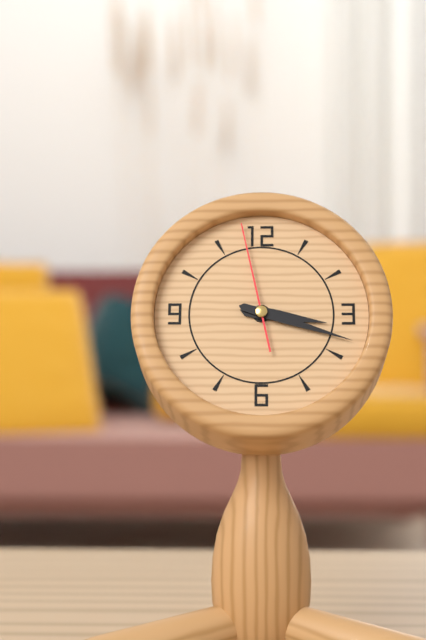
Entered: 3h18m58s
